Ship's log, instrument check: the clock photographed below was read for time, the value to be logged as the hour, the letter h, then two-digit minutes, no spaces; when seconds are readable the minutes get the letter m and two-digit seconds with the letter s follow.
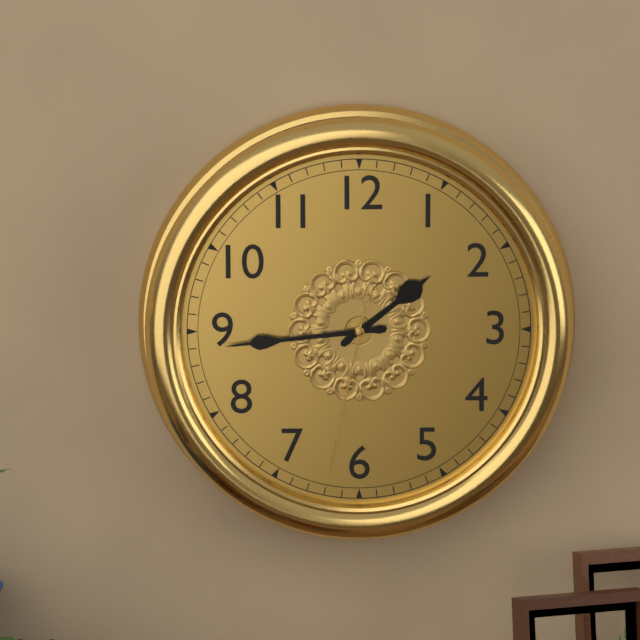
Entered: 1h44m32s
